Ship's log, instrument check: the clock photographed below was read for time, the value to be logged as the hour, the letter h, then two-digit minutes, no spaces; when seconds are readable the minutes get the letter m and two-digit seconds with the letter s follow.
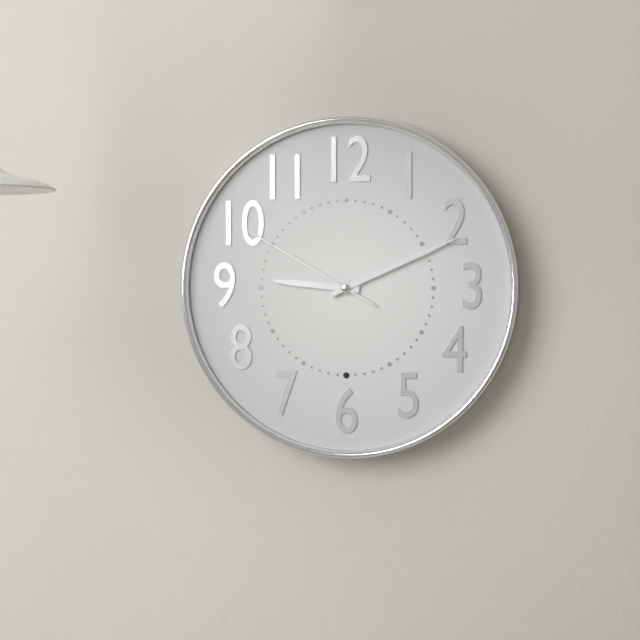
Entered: 9h11m50s
